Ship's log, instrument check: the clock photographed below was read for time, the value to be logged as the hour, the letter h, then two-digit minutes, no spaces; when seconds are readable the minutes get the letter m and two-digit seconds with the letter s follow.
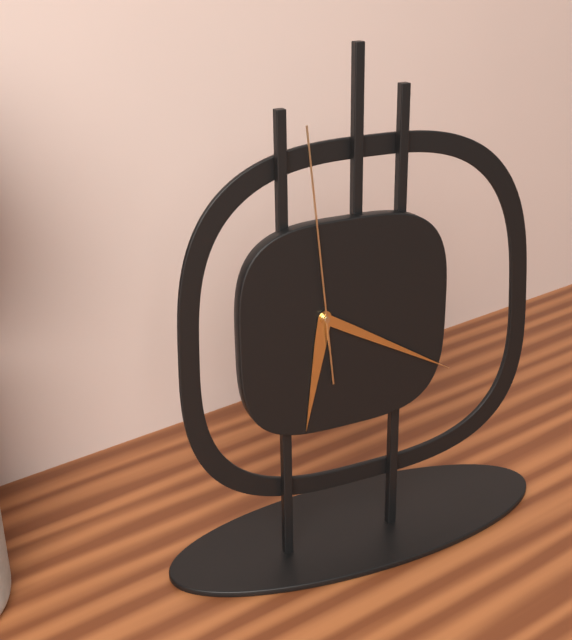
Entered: 6h20m59s
